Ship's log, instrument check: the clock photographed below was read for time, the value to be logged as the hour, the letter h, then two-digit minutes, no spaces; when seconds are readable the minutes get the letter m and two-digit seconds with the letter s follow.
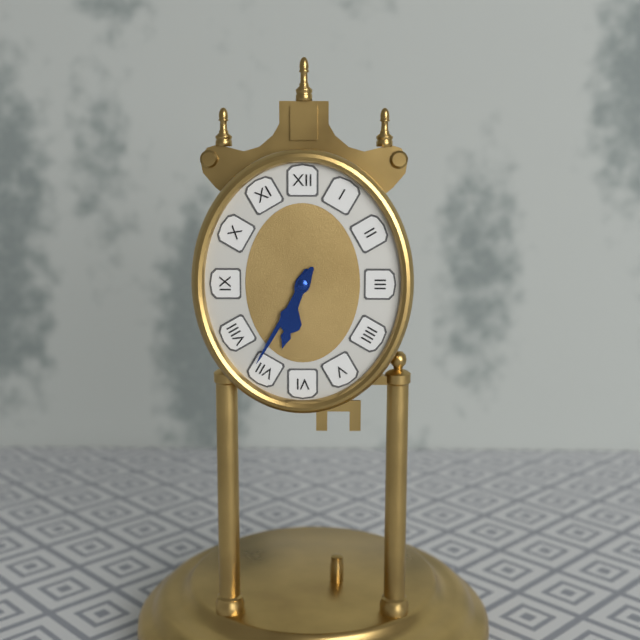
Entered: 6h35
